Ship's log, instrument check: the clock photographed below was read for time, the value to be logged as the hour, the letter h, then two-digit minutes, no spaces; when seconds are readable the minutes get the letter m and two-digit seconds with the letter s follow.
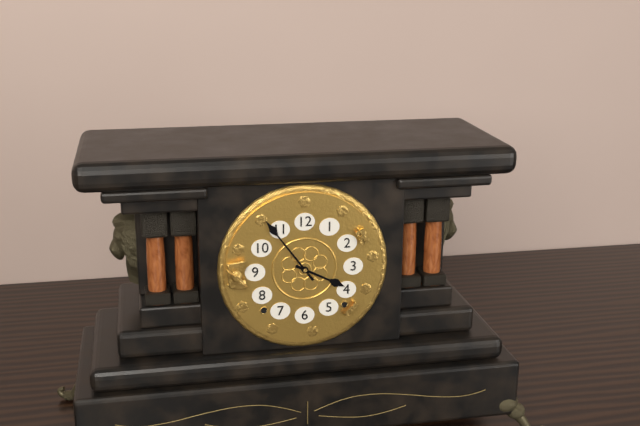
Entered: 3h54
